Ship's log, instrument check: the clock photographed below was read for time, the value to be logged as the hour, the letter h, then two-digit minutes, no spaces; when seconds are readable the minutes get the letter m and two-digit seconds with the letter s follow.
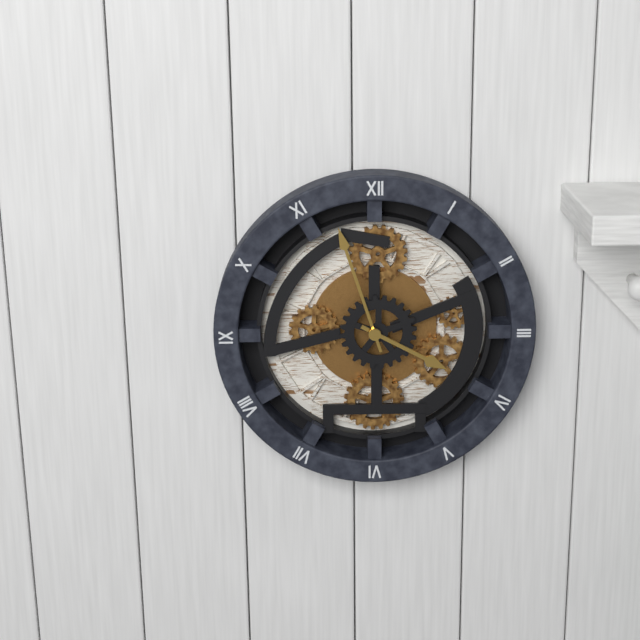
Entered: 3h57
